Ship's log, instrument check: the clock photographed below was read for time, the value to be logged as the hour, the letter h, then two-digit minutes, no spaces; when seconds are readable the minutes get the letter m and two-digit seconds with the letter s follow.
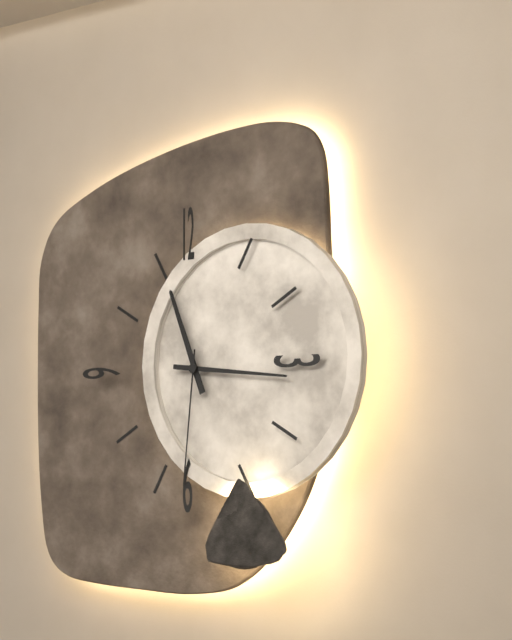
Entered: 11h16m31s
